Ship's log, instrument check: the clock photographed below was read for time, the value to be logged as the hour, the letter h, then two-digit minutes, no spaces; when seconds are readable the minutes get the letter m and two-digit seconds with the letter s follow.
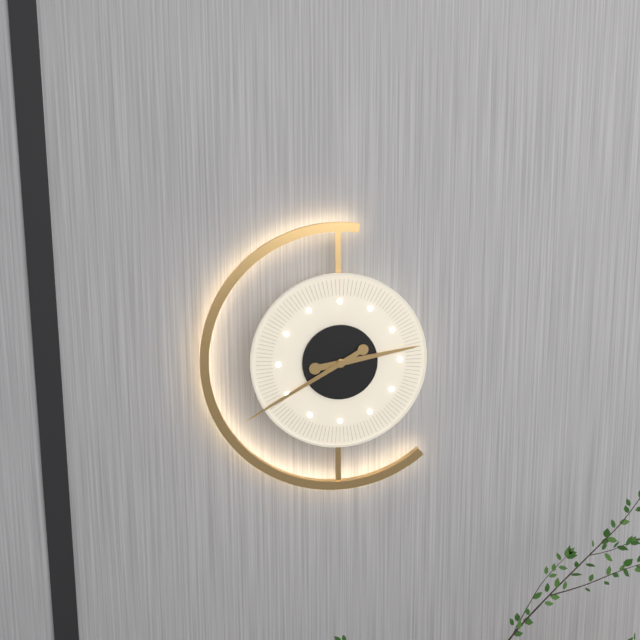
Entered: 2h40
